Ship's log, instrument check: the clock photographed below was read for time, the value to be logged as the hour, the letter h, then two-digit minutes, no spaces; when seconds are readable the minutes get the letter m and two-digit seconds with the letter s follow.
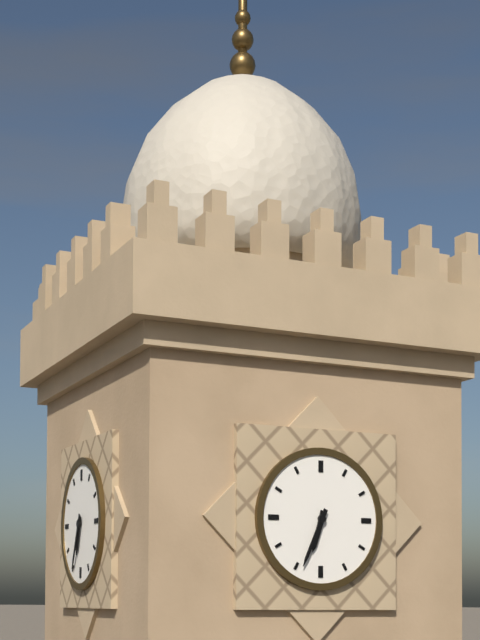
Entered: 6h34
